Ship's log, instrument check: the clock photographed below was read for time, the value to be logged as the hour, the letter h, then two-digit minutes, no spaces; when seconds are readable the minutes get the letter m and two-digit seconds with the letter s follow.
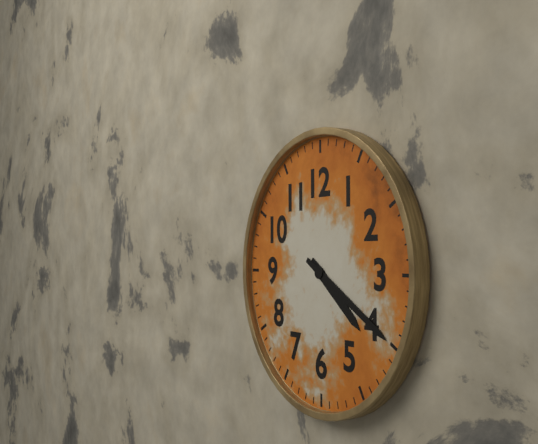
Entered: 4h20
